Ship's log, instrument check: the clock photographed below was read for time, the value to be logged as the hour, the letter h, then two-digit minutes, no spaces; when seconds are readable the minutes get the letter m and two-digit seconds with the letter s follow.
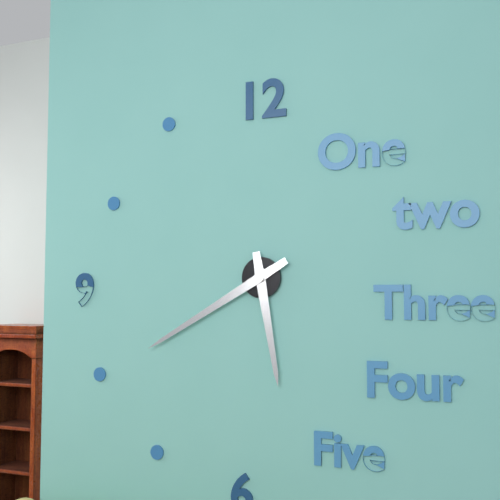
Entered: 5h40
